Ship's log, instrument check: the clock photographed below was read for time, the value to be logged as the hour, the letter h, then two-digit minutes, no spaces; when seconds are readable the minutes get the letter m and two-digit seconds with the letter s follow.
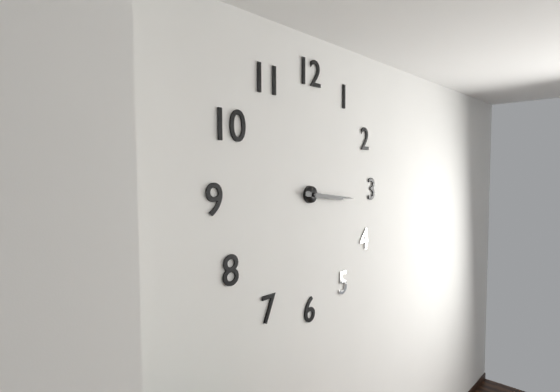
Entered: 3h16
